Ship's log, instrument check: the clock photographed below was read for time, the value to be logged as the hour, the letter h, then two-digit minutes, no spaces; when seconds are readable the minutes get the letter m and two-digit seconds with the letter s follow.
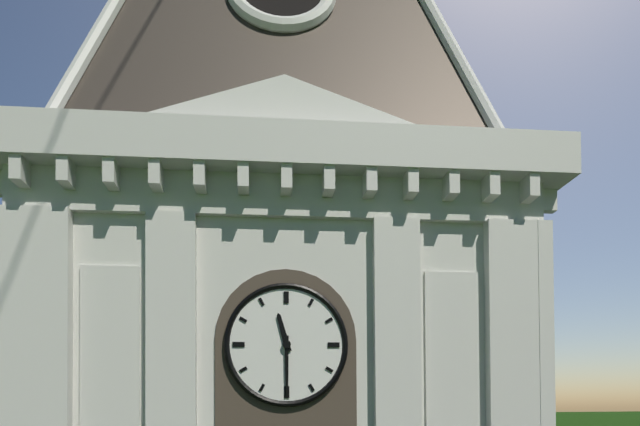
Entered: 11h30
